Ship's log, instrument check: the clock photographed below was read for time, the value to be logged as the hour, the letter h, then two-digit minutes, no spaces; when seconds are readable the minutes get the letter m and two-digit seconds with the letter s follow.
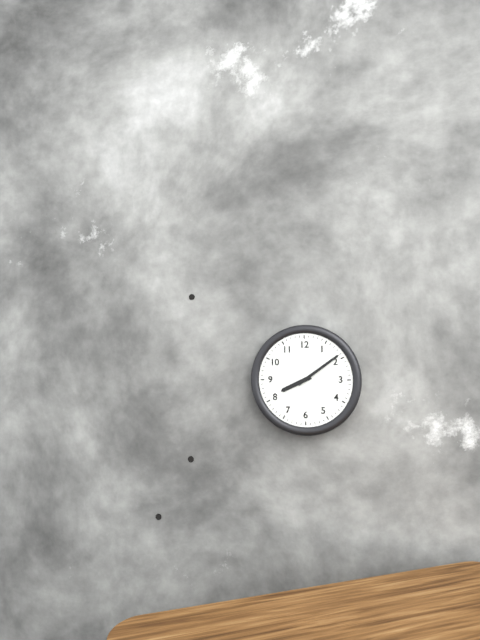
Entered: 8h09
